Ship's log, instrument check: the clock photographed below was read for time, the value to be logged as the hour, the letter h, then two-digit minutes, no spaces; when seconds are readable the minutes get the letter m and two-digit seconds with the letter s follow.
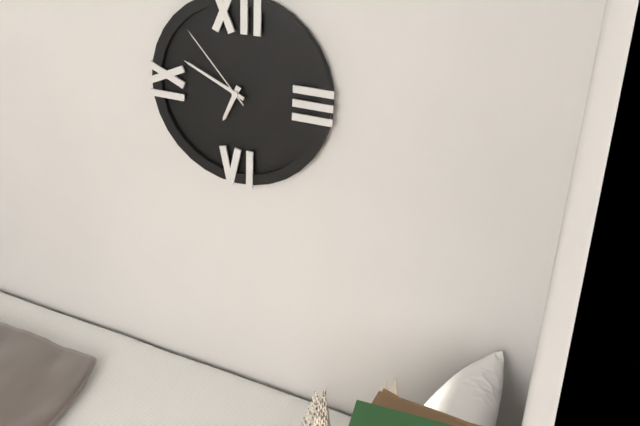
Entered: 6h49m53s
